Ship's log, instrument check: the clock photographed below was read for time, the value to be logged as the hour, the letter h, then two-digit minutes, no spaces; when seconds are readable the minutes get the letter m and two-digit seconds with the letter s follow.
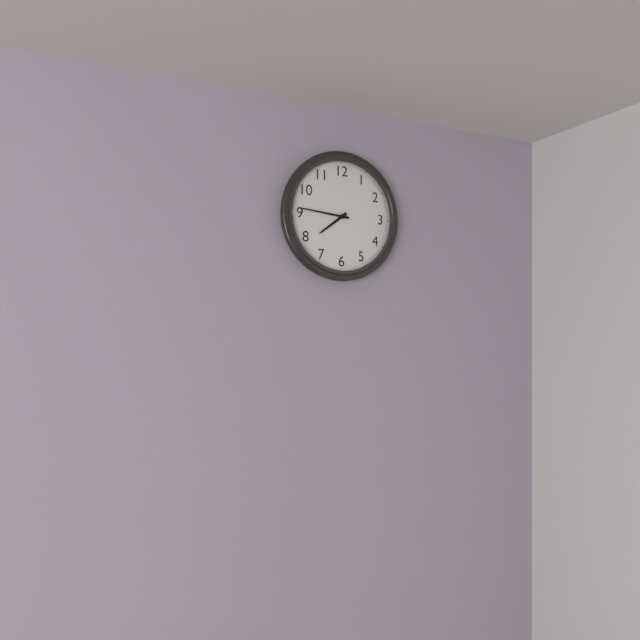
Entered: 7h46
